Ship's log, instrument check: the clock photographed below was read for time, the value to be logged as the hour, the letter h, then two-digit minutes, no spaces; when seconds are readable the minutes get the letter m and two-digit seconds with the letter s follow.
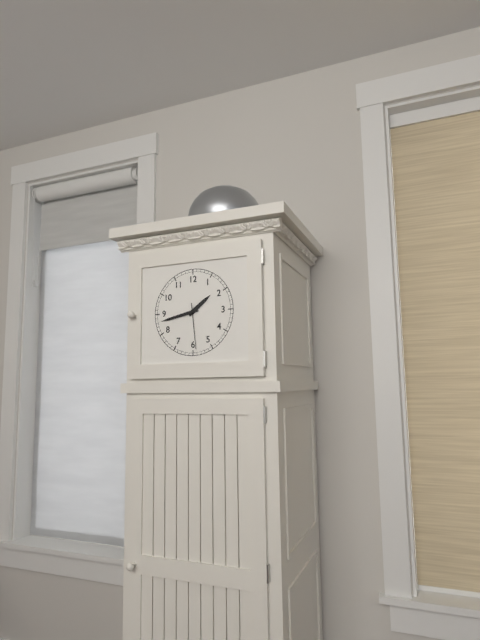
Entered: 1h43
